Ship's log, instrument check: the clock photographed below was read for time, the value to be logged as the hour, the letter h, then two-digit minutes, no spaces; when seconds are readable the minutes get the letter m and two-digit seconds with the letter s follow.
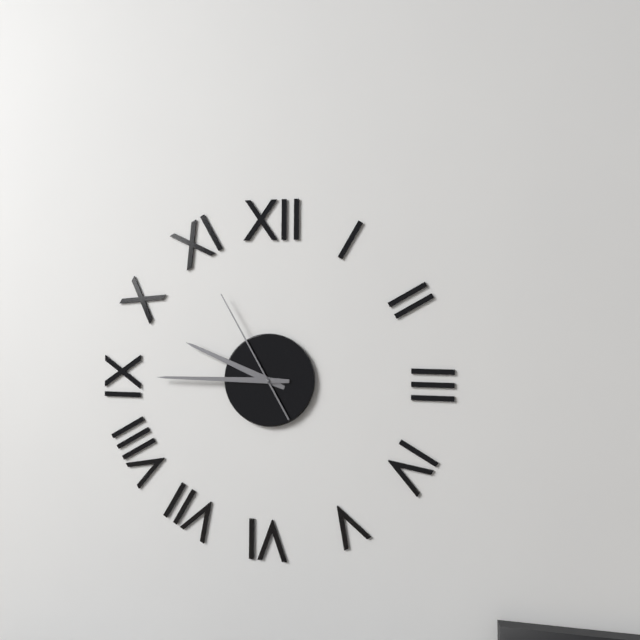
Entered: 9h45m55s
